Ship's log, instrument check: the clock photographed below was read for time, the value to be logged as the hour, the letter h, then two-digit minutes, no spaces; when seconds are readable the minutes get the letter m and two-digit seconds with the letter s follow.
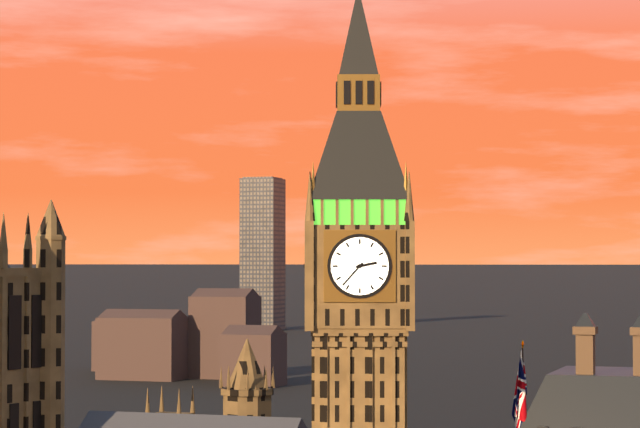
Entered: 2h37
